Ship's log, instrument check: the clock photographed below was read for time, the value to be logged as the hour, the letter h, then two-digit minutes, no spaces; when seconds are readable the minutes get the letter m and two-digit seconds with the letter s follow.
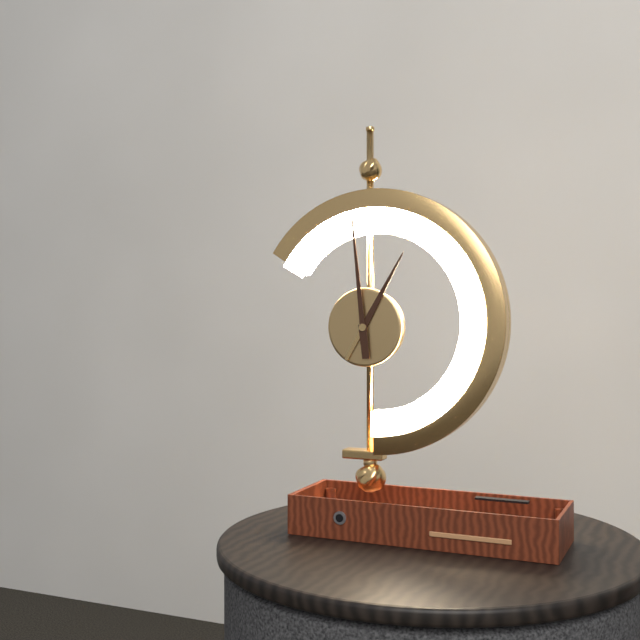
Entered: 12h59
